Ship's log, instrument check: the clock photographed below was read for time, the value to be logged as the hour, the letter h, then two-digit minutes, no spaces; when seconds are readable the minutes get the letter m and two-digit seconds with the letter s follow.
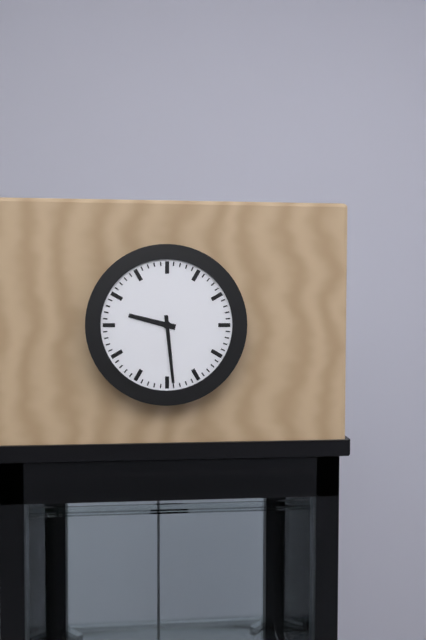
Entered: 9h29
